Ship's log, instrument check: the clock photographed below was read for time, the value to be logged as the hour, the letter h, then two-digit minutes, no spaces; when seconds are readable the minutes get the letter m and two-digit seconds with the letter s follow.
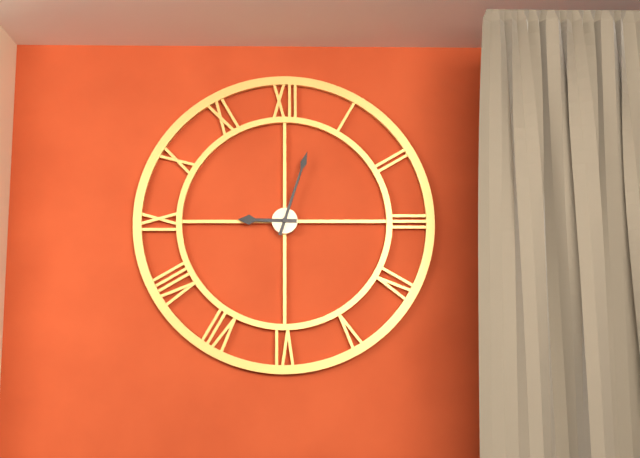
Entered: 9h03
